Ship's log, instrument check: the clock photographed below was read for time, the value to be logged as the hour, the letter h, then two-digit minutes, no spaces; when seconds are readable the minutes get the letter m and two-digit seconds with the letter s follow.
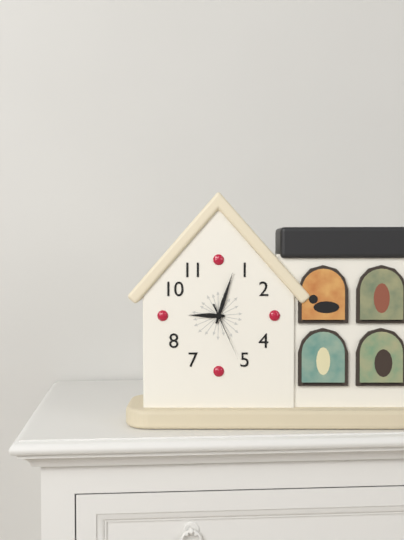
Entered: 9h03m26s
